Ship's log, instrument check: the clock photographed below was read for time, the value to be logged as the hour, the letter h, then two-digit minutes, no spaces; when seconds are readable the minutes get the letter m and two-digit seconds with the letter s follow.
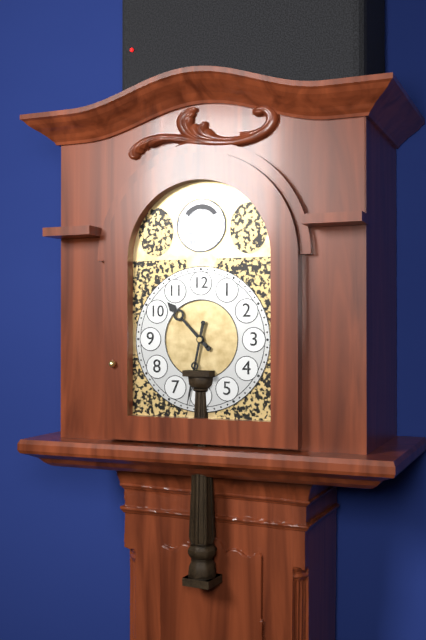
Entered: 10h32
